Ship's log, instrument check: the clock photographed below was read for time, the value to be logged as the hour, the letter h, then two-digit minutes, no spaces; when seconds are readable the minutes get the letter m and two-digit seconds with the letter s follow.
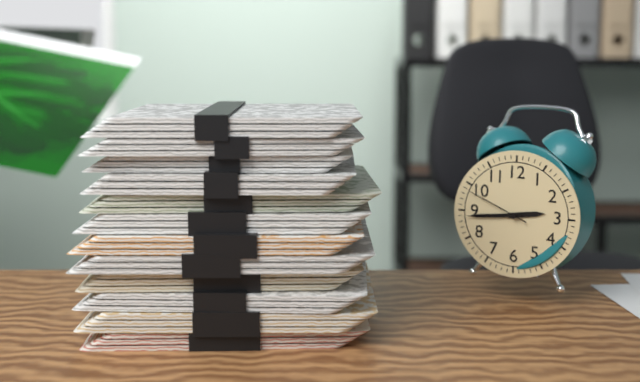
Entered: 2h44m49s
